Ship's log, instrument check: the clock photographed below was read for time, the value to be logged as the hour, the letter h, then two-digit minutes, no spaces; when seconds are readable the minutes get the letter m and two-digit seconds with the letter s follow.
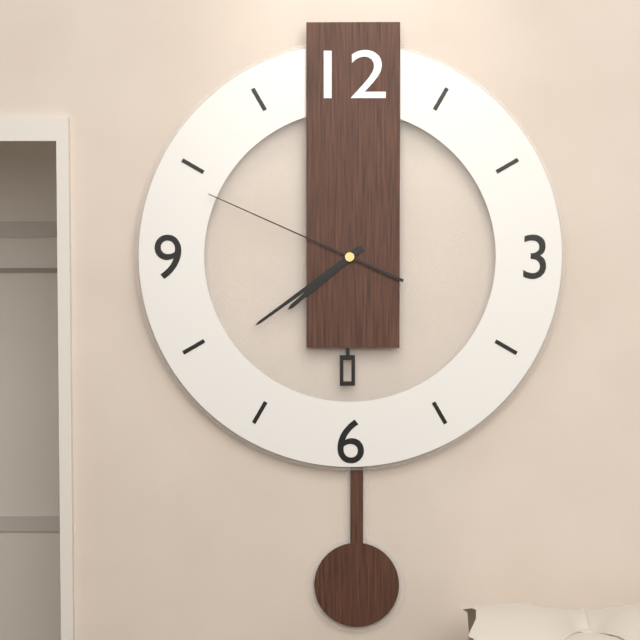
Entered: 7h39m49s
